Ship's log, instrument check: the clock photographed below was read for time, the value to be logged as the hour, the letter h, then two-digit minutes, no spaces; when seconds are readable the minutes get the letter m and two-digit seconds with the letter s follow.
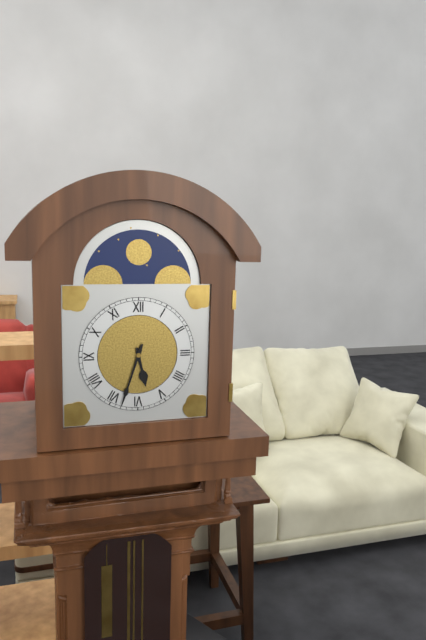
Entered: 5h33
